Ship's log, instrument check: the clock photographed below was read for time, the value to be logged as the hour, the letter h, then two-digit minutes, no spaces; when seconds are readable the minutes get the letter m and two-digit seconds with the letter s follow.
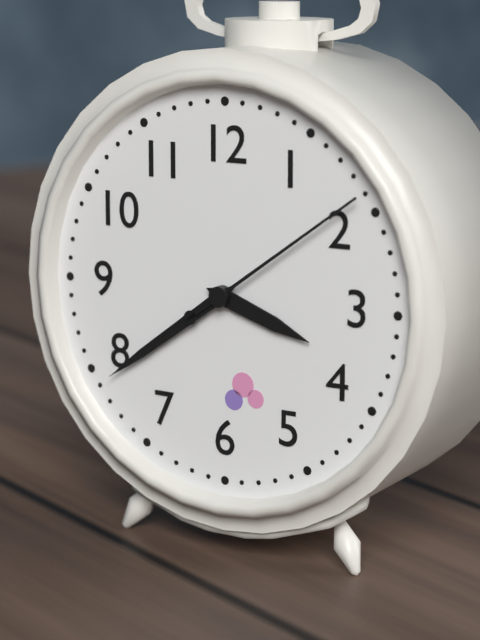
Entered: 3h39m09s
